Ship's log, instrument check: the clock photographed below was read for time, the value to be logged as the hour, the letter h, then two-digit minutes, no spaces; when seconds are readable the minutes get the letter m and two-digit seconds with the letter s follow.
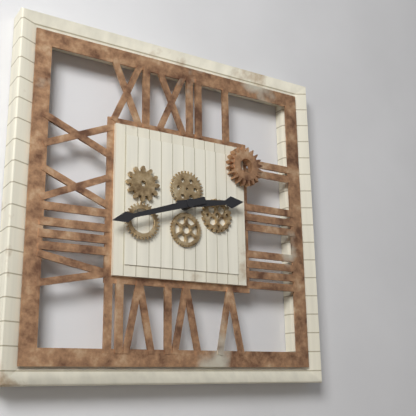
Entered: 2h42
